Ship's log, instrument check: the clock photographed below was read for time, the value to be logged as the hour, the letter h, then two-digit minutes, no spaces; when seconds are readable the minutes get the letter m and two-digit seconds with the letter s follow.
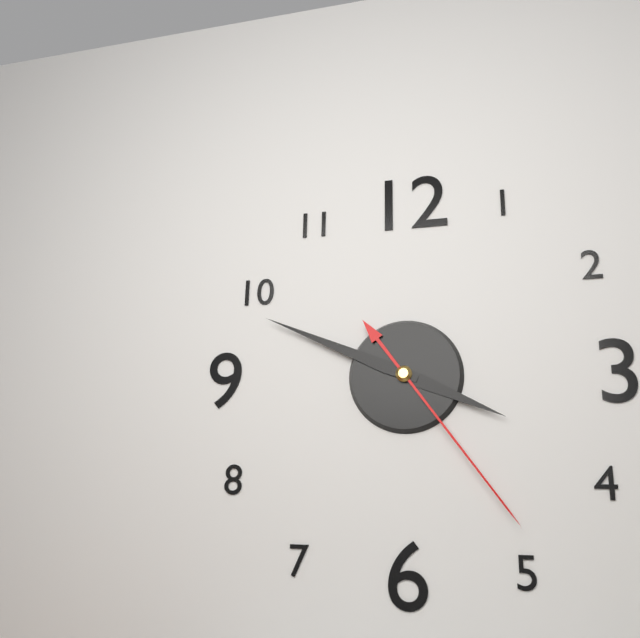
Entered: 3h49m24s
